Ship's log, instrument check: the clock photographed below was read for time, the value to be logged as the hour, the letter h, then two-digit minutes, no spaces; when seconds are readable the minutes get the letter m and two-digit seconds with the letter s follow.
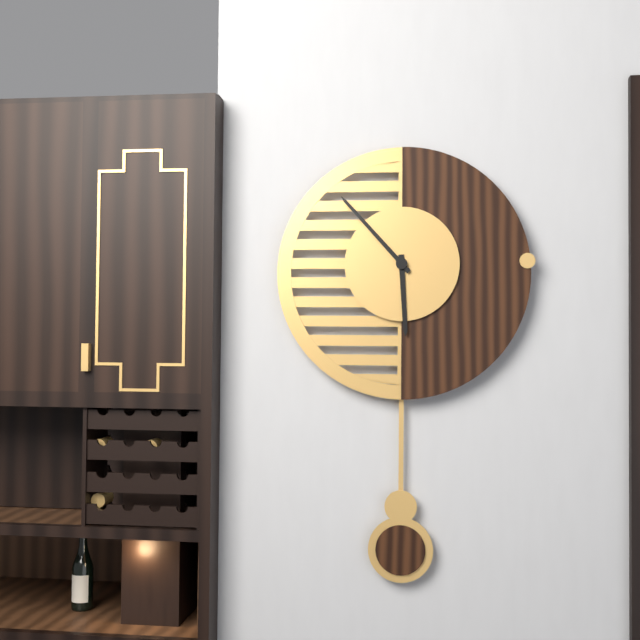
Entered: 5h53
